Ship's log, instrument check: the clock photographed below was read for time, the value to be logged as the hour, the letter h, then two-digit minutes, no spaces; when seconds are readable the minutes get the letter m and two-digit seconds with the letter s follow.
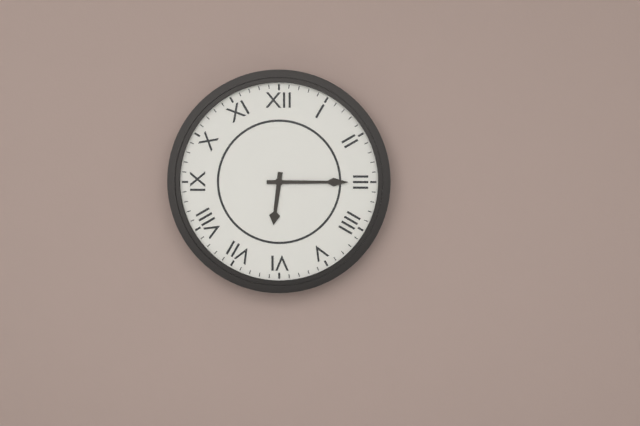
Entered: 6h15
